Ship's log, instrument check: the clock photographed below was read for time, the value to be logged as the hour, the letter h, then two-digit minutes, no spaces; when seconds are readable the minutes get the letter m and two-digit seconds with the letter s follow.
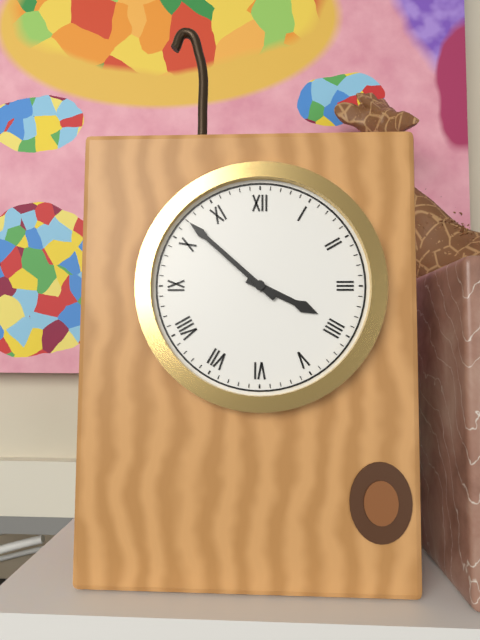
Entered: 3h52
